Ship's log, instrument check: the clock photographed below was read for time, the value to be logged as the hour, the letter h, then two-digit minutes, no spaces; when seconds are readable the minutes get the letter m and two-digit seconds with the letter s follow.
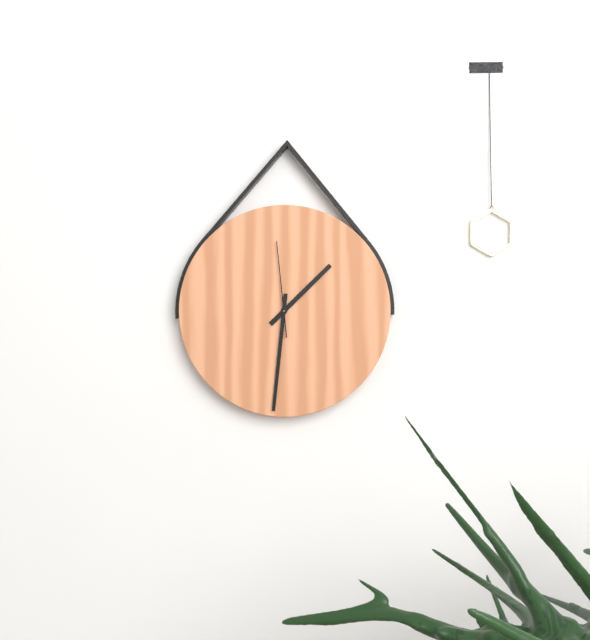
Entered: 1h31m59s
